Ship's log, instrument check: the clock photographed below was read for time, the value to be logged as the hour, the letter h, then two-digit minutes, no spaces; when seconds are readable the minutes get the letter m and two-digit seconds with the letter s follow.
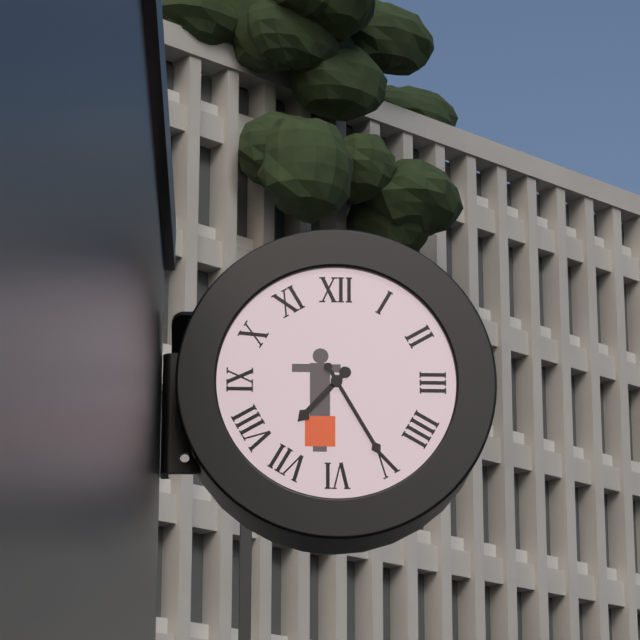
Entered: 7h25
